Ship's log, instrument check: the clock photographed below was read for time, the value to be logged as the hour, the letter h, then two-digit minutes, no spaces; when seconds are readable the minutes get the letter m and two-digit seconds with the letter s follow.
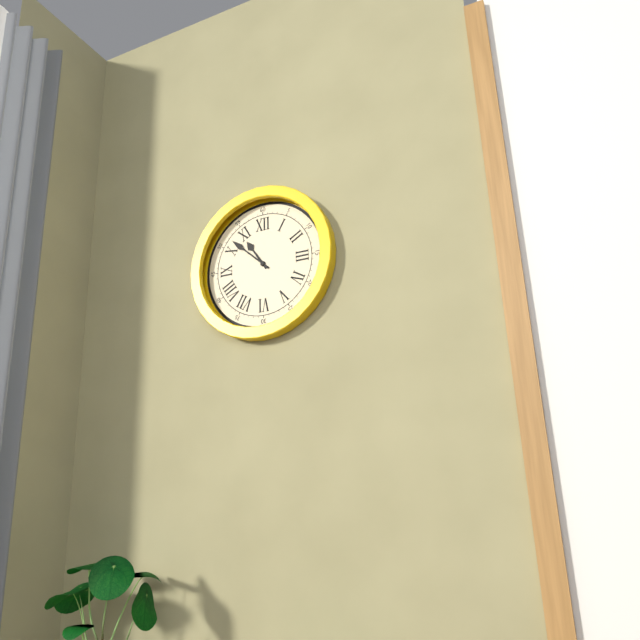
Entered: 10h52
